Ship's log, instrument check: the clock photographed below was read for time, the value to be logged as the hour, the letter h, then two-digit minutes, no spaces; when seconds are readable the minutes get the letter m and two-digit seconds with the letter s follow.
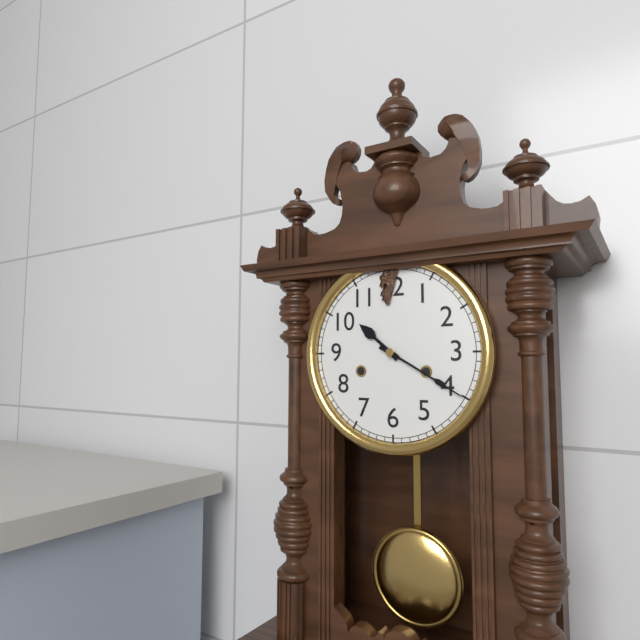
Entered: 10h20
